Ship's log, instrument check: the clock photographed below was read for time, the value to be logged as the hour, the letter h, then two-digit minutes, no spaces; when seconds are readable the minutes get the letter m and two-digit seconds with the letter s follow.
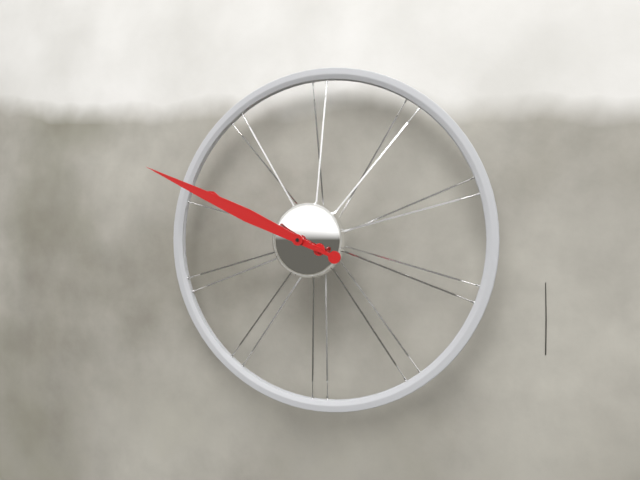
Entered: 9h49
